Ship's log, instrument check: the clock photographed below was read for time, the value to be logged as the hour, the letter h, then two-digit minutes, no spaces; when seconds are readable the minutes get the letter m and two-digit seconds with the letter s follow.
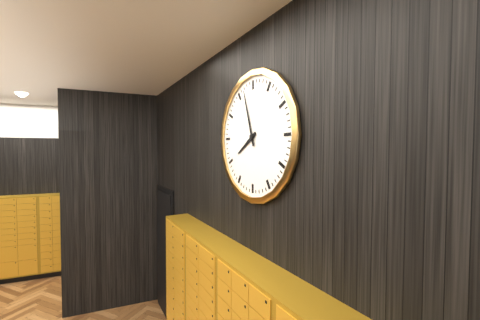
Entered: 7h57
